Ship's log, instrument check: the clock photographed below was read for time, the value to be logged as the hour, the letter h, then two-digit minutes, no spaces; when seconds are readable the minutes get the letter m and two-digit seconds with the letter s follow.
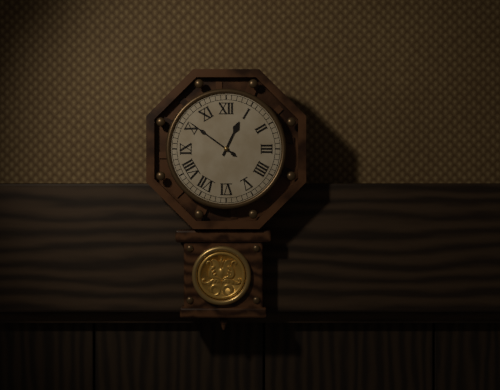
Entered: 12h51
